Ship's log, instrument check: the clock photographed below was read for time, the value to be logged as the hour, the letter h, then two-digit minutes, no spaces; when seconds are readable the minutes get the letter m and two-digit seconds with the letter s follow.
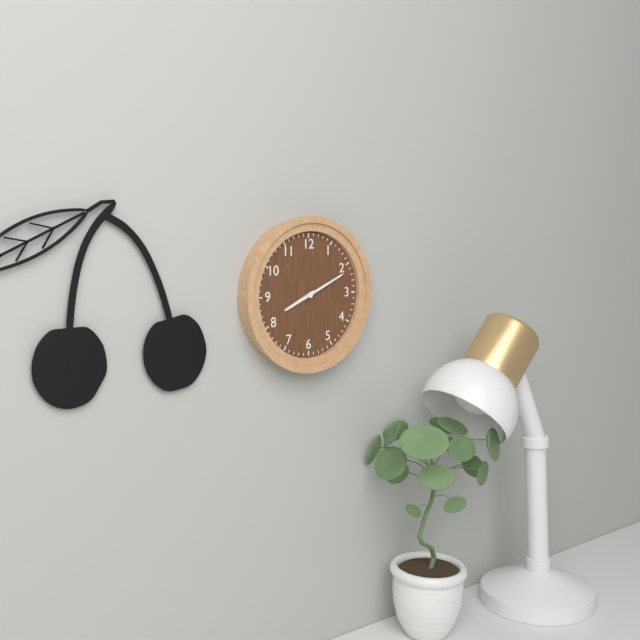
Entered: 8h11
